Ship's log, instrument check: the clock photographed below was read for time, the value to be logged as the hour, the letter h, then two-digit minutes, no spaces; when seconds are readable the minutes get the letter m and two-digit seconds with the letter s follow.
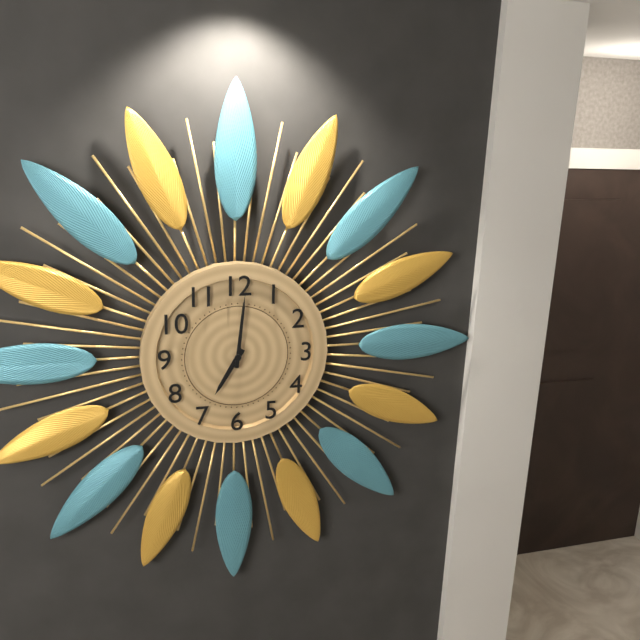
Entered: 7h01
